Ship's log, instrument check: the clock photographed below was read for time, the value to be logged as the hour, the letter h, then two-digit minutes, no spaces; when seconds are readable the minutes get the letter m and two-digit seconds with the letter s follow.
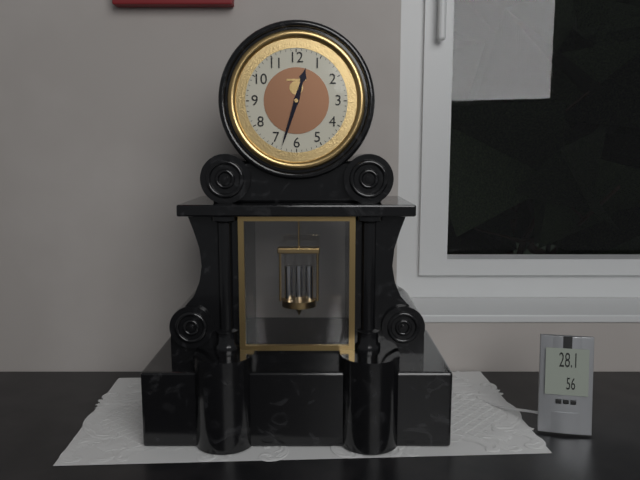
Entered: 12h33
